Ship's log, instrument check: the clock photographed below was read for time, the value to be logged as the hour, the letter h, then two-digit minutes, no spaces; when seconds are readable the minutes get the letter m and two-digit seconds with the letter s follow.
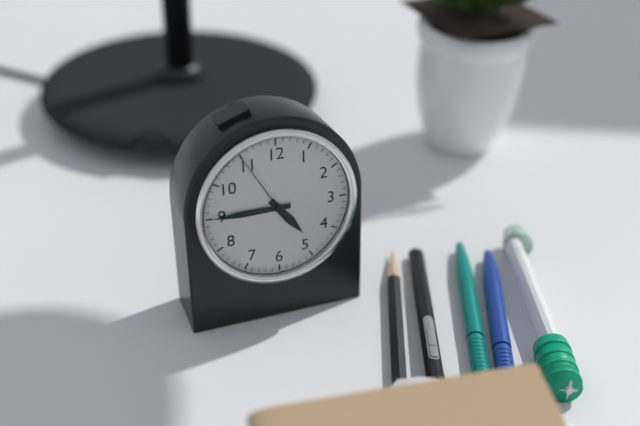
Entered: 4h45m55s
